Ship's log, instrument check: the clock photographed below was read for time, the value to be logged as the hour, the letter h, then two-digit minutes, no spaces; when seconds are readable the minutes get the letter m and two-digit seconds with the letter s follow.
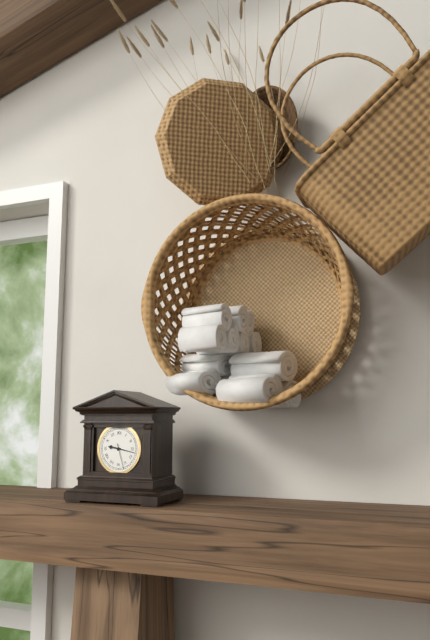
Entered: 9h17
